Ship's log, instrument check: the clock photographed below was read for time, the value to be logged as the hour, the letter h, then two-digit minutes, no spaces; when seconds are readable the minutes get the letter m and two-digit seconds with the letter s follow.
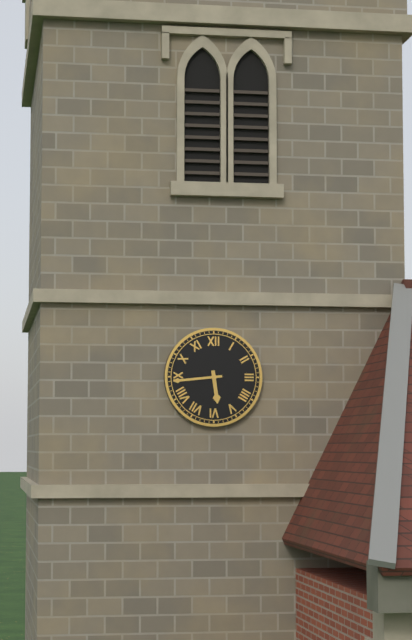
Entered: 5h44
